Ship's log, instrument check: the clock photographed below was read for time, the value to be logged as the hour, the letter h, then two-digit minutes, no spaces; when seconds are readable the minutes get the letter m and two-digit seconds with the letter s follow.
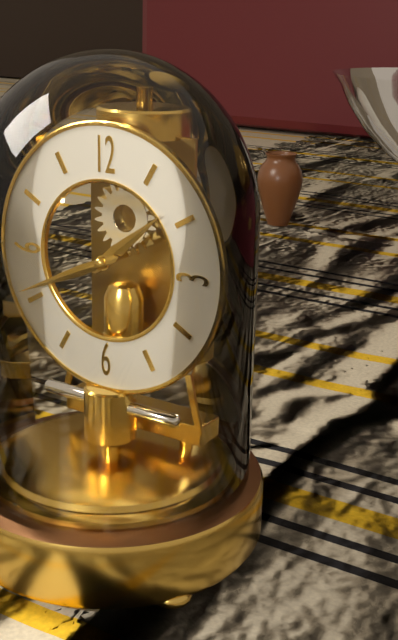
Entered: 1h41
